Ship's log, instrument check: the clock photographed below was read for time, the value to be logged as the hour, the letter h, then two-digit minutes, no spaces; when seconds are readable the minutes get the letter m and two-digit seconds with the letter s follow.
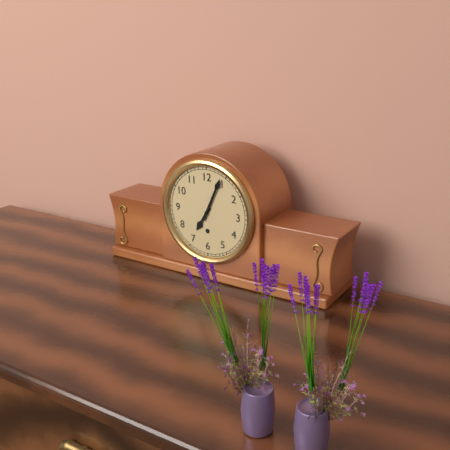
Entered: 7h04
